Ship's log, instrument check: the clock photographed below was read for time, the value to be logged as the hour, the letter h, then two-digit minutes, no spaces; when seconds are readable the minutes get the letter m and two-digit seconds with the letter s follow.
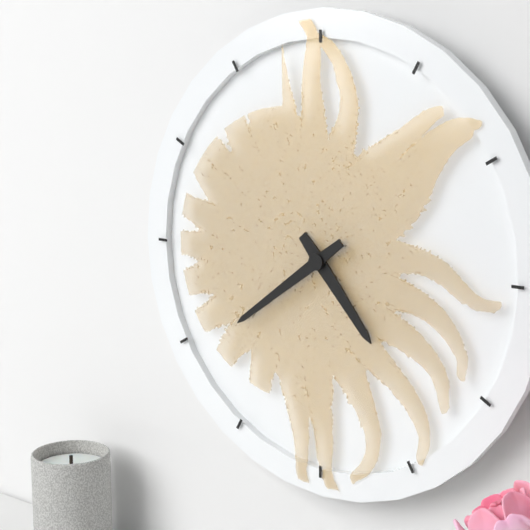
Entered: 4h39
